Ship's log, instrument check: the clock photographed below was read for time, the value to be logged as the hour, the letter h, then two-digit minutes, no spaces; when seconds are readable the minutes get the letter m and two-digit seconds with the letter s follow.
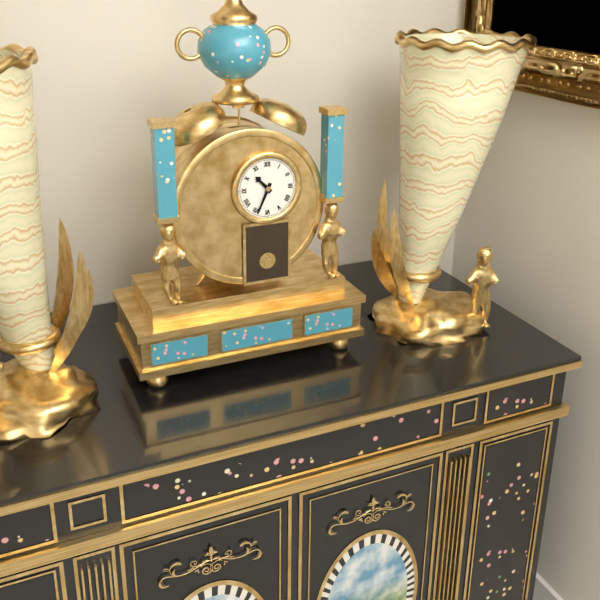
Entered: 10h34
